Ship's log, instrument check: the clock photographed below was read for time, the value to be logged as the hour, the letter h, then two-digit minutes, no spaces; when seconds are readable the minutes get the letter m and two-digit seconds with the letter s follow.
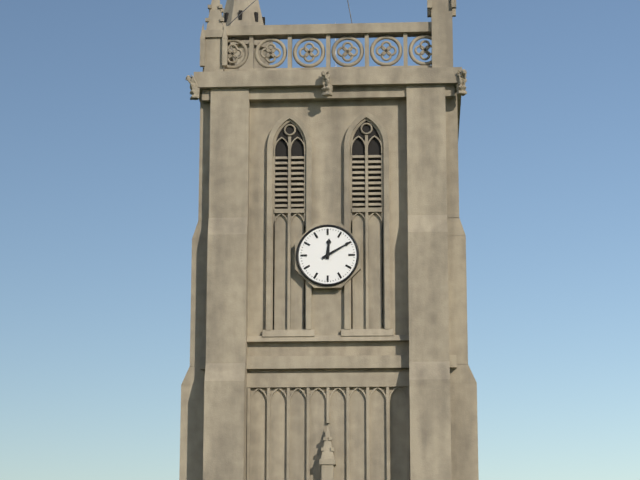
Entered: 12h10
